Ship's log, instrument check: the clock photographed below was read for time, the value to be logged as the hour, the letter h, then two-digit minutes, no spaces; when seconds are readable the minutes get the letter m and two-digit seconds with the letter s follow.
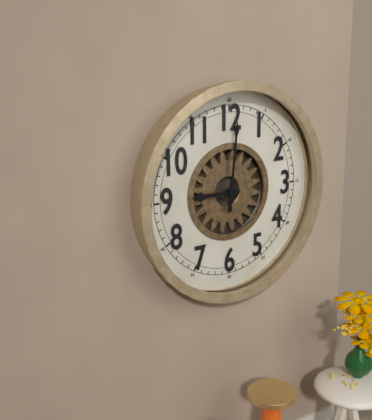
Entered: 9h01
